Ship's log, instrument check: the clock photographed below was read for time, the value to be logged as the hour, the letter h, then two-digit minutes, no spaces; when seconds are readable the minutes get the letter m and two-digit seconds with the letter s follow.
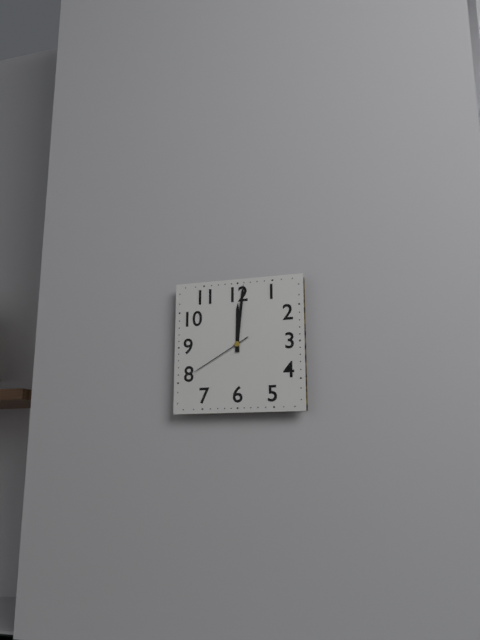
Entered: 12h01m40s
